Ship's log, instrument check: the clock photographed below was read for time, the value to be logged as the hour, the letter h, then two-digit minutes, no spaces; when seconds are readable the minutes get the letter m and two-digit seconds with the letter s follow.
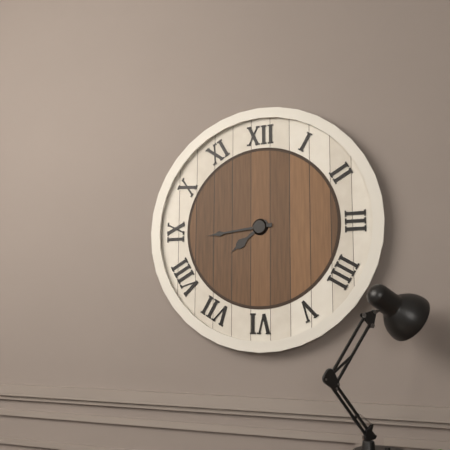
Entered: 7h44
